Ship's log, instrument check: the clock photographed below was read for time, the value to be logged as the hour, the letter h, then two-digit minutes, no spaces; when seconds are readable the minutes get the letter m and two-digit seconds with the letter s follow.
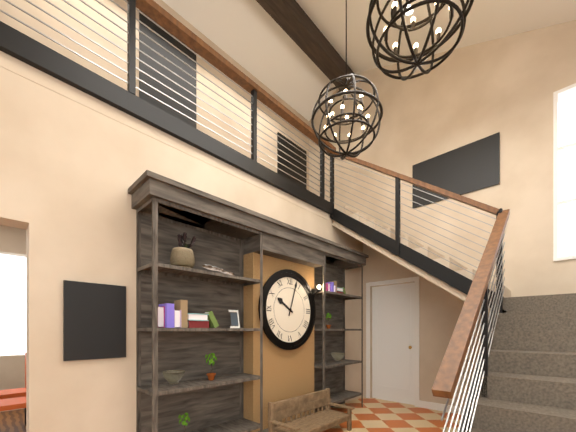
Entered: 10h03
